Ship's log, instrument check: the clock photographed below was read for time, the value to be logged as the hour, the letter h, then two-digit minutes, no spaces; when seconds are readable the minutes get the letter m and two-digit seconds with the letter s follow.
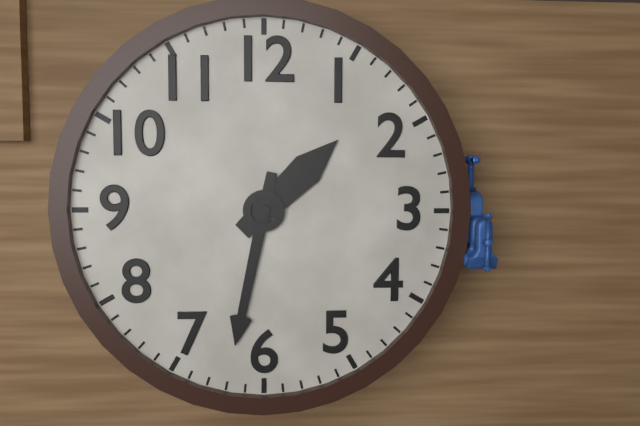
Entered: 1h32
